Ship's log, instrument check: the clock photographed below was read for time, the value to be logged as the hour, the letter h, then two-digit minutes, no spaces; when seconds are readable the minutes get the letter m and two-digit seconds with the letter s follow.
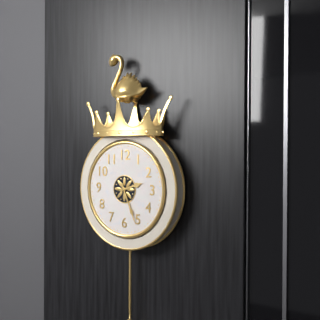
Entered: 2h26
